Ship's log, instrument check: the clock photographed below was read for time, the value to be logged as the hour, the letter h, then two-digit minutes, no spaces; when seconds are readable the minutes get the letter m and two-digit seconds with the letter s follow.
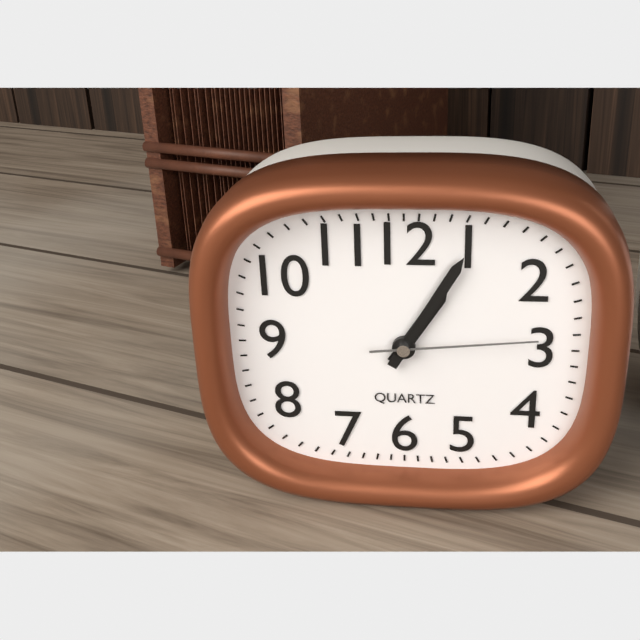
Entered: 1h05m14s
